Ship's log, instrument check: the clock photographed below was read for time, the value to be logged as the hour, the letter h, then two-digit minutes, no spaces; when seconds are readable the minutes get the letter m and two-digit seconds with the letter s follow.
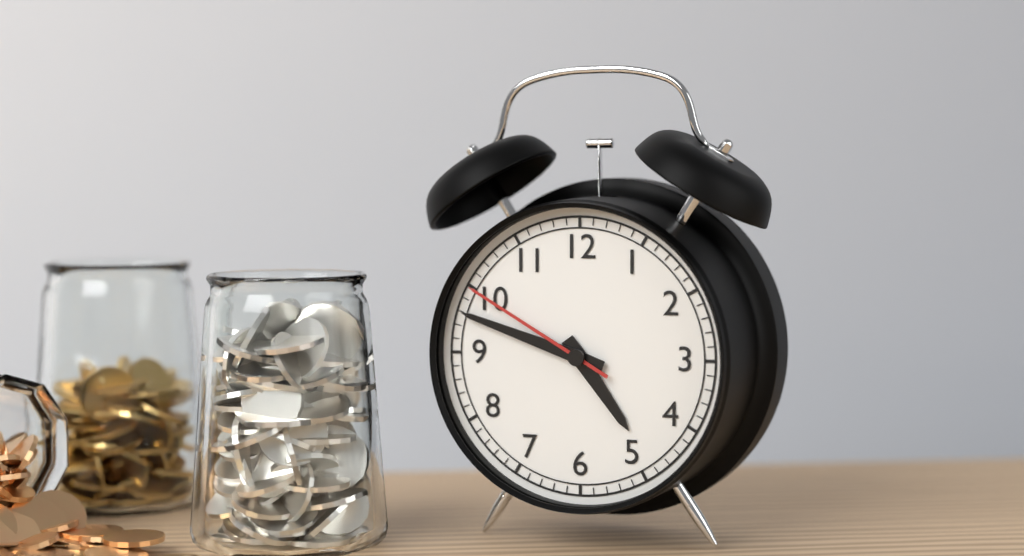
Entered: 4h48m50s
